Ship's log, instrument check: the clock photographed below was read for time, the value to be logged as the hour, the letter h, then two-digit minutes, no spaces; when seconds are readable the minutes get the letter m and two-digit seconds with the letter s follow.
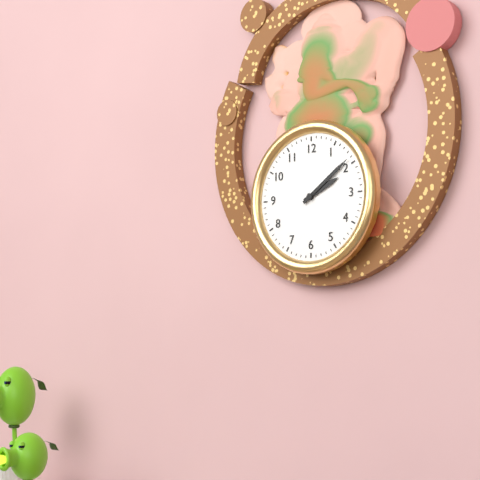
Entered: 2h09
